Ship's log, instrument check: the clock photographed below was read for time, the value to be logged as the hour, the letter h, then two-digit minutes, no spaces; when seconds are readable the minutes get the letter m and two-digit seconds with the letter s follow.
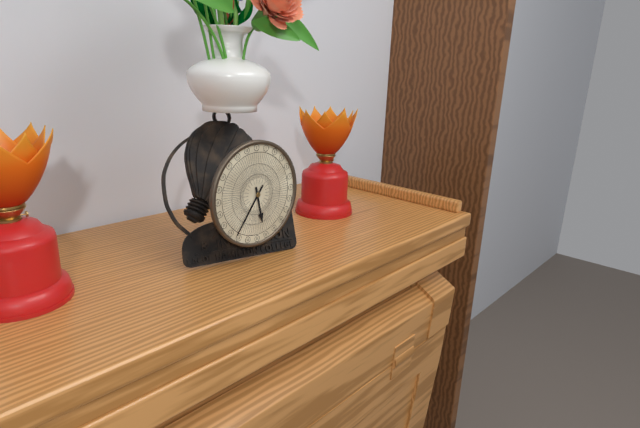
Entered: 5h36
